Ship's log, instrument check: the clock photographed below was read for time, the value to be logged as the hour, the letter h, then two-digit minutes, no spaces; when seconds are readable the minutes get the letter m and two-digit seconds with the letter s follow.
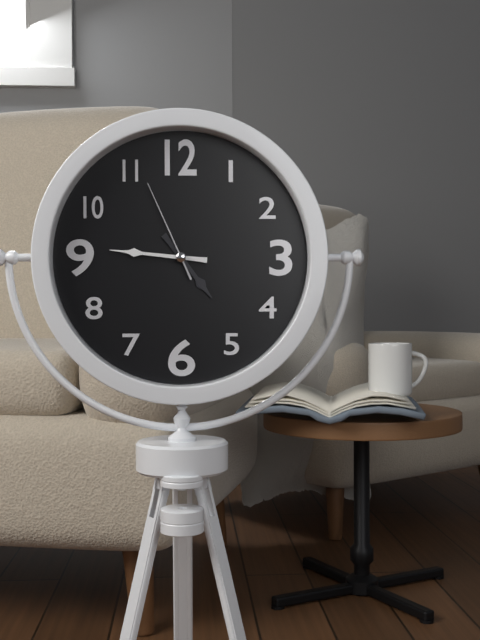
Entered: 4h46m56s
